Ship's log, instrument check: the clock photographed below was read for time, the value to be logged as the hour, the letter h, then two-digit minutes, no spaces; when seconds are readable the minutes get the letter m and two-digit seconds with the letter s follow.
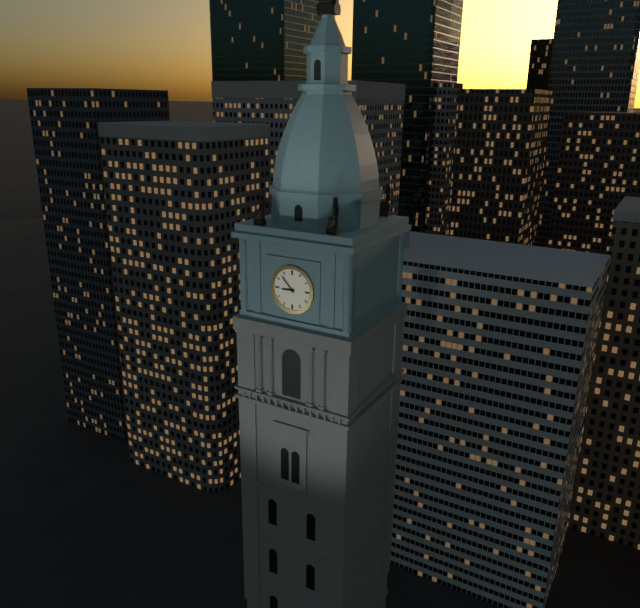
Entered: 8h53
